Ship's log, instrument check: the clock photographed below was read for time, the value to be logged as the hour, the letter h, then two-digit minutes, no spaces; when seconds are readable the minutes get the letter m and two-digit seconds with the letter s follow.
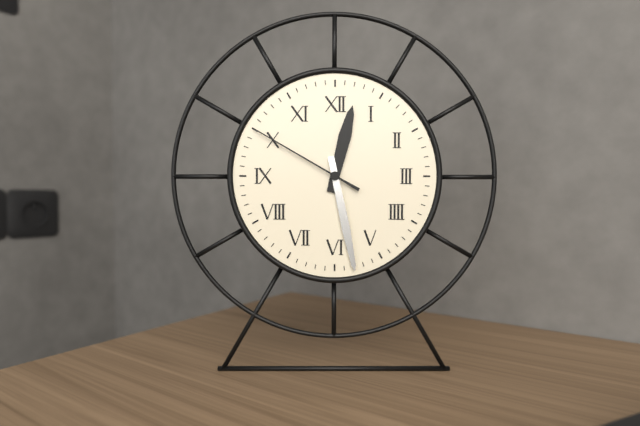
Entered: 12h28m50s
